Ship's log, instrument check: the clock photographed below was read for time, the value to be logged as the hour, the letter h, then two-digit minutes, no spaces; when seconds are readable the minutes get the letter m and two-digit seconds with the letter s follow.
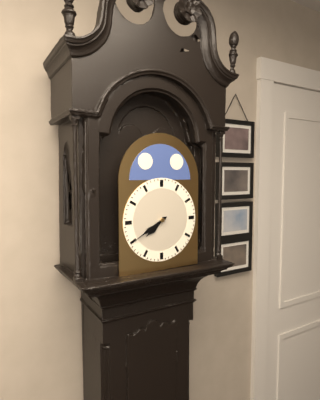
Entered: 7h40
